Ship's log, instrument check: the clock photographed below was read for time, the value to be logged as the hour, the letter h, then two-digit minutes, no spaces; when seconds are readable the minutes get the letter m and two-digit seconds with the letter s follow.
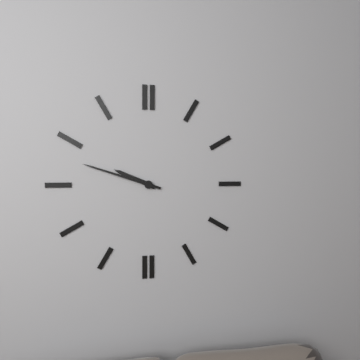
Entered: 9h48
